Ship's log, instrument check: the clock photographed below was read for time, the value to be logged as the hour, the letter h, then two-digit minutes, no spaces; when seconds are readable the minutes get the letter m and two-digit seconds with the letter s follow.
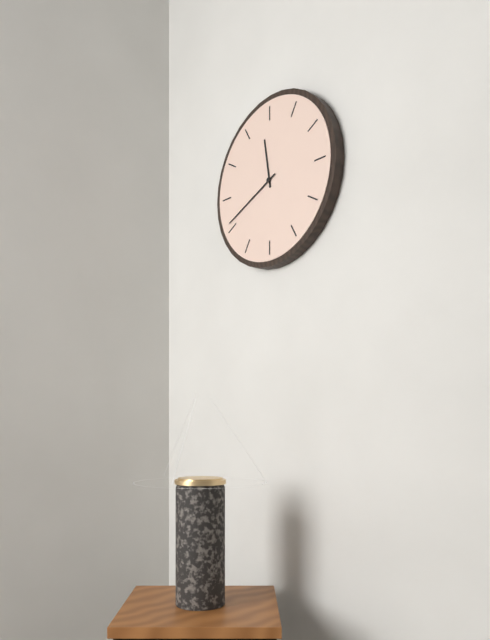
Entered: 11h41
